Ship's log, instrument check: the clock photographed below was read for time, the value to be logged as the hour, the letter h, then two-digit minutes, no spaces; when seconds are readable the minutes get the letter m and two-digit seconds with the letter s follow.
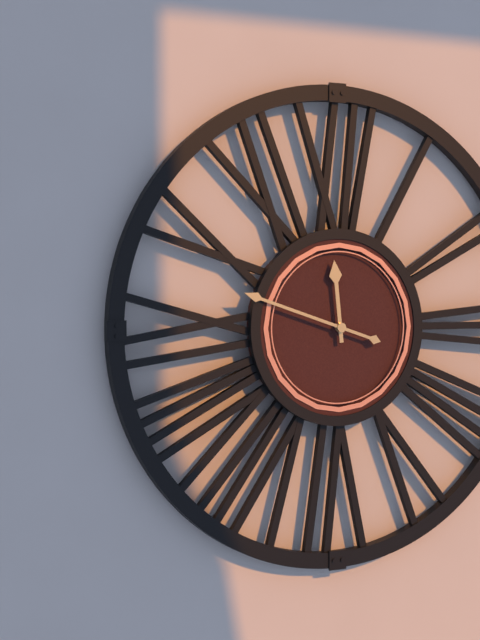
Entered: 11h48
